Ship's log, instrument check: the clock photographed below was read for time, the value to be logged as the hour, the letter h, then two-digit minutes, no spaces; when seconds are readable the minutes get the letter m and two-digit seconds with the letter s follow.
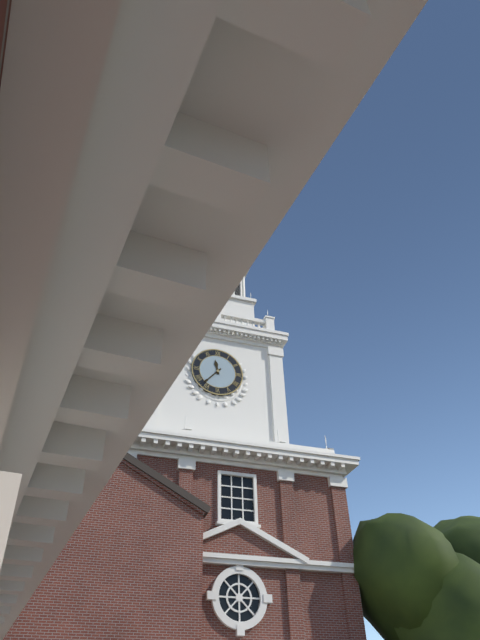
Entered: 11h37
